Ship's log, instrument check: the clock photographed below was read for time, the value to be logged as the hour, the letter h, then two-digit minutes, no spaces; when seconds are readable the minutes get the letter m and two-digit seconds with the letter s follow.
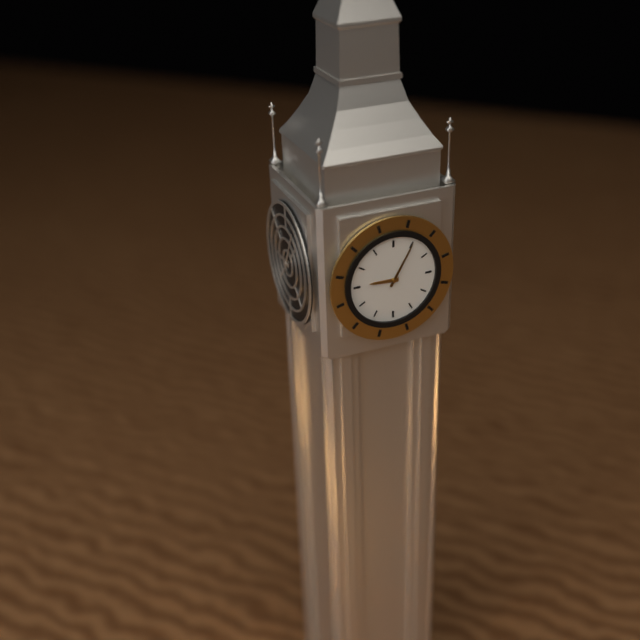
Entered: 9h05
